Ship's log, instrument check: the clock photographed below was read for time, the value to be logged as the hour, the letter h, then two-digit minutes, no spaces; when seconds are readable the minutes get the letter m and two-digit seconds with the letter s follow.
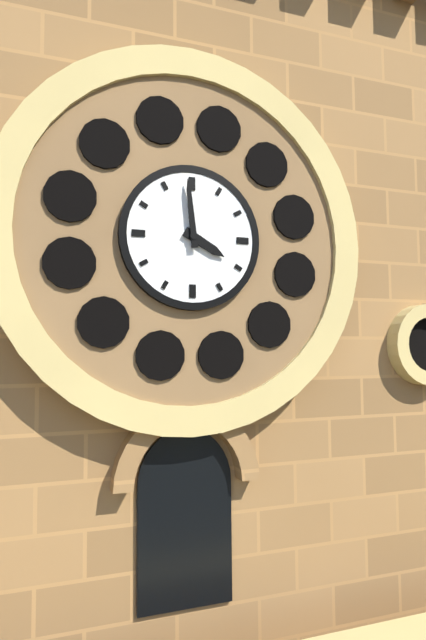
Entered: 3h59
